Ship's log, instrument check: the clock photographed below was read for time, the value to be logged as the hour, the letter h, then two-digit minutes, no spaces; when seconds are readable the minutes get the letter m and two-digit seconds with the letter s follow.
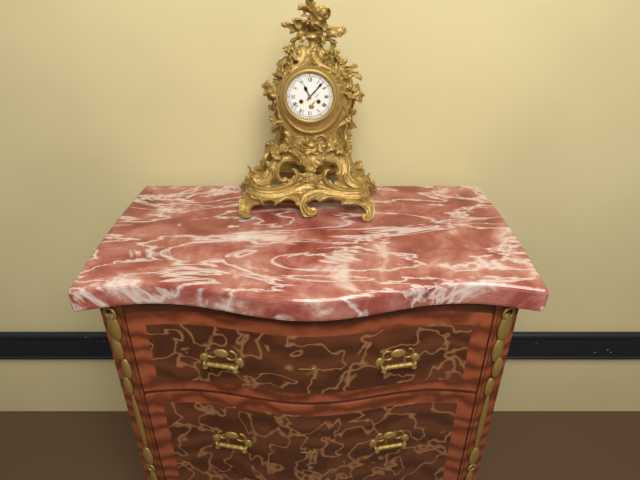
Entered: 11h07
